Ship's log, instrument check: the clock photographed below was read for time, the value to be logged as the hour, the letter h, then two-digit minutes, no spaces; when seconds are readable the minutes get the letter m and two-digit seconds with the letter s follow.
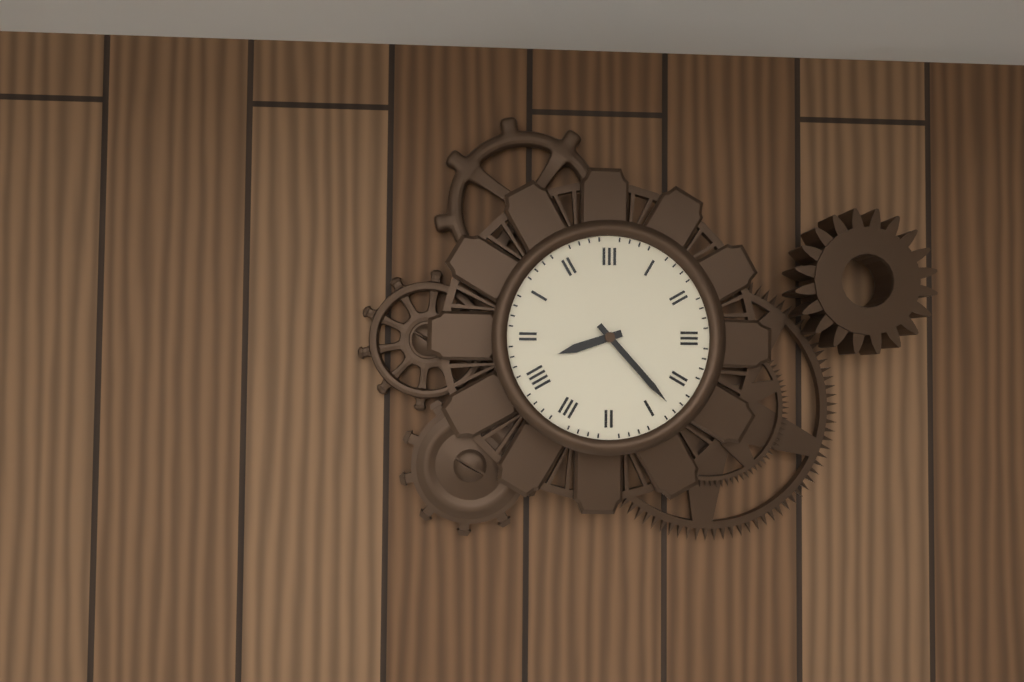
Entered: 8h23
